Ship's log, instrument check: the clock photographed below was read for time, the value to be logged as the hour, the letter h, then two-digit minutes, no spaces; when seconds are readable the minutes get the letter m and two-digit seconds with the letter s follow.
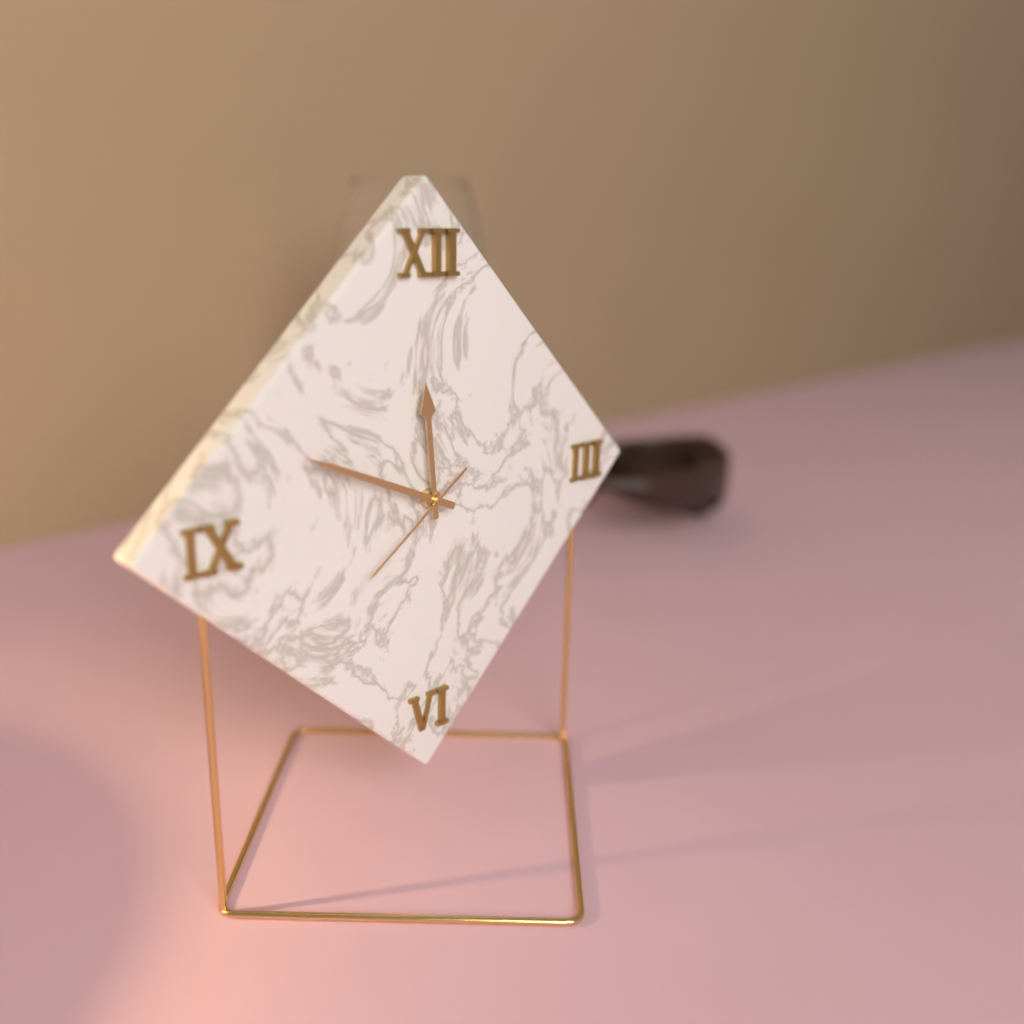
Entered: 11h49m39s
